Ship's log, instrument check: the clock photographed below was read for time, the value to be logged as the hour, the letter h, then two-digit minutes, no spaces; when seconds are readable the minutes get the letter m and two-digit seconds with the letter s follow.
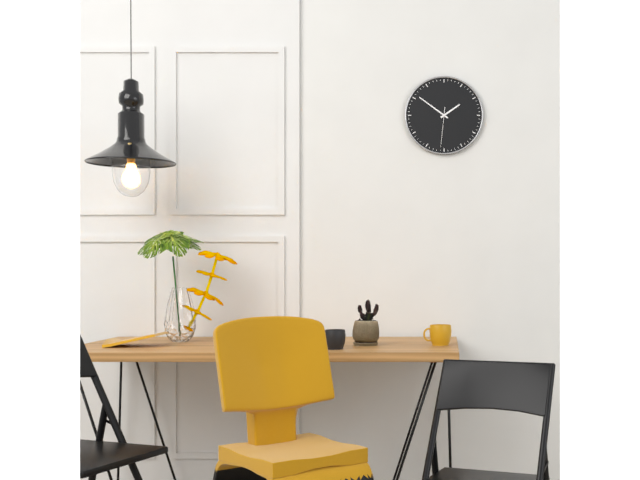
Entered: 1h51
